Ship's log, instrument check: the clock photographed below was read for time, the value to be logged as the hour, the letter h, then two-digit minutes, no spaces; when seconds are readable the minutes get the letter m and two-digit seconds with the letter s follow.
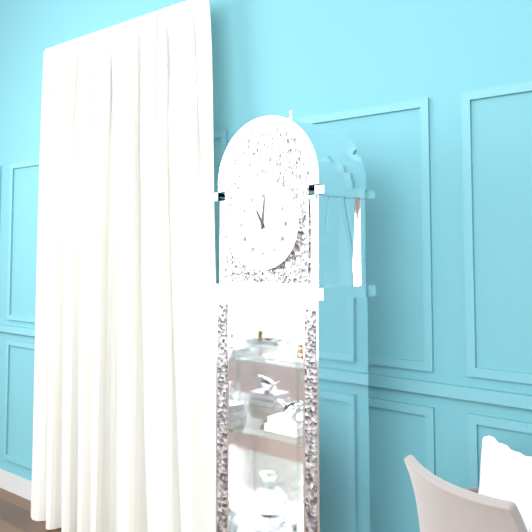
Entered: 11h01
